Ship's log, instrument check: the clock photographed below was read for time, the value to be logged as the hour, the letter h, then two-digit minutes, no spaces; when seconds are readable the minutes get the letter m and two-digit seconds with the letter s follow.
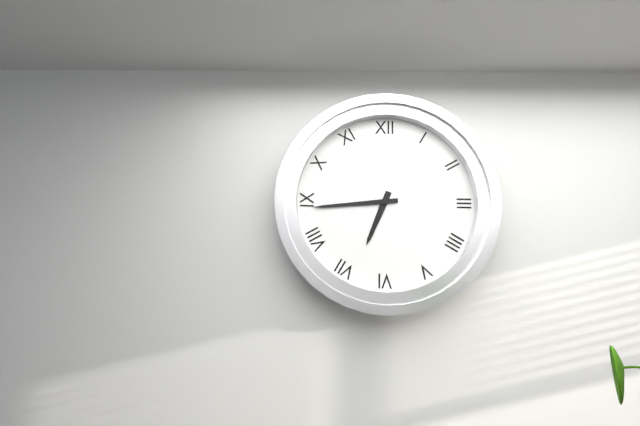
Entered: 6h44
